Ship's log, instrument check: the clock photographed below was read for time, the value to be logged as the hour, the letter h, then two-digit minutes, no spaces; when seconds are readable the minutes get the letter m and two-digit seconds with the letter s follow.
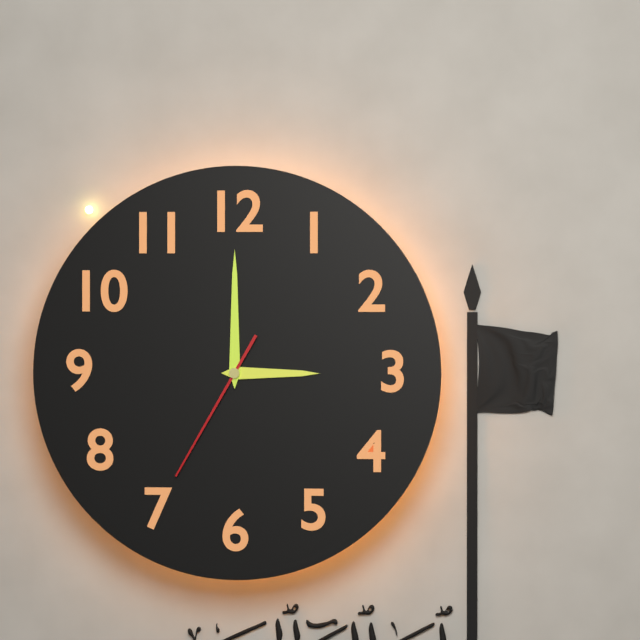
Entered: 3h00m35s
